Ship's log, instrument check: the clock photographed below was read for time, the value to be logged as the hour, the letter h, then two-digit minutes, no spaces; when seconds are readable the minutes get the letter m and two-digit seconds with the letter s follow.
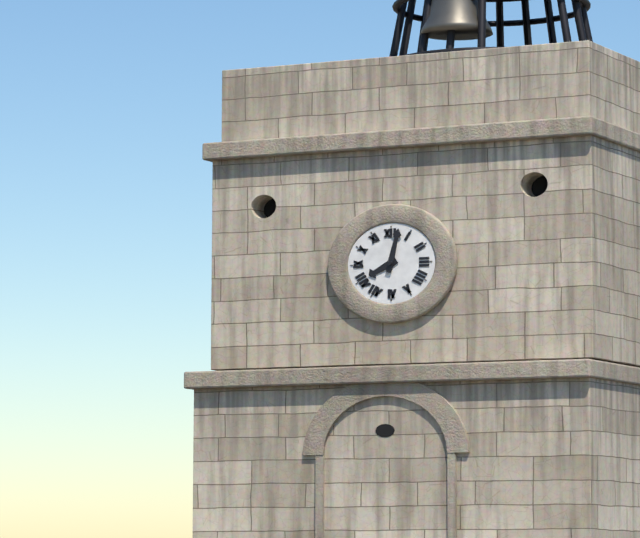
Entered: 8h02
